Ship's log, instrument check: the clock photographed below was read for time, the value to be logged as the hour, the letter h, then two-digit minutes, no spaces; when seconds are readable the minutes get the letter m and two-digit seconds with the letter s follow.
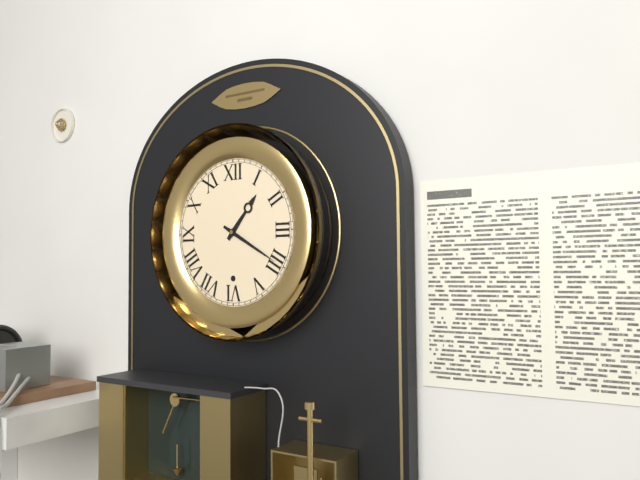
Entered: 1h20
